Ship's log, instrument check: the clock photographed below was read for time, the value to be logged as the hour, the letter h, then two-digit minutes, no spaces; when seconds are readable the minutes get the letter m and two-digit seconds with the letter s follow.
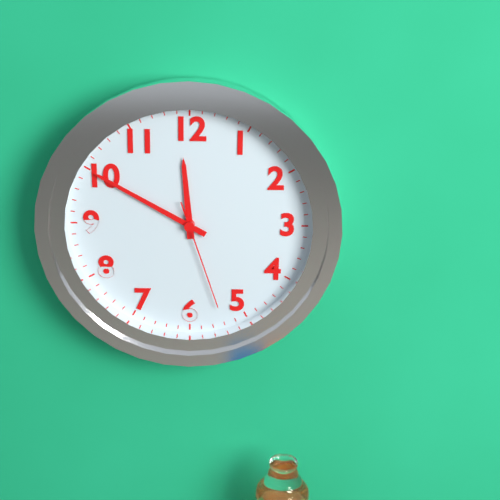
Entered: 11h50m27s
